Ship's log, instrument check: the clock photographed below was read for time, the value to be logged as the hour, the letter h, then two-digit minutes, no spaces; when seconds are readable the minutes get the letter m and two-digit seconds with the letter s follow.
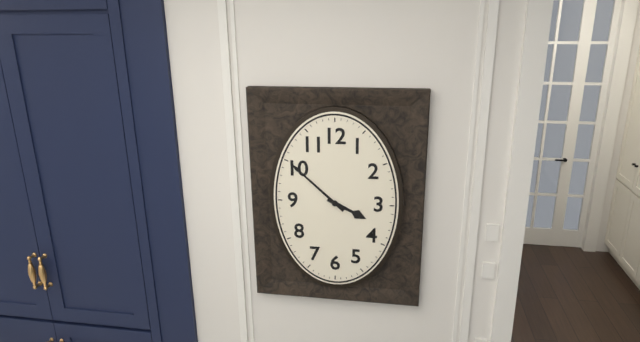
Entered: 3h52
